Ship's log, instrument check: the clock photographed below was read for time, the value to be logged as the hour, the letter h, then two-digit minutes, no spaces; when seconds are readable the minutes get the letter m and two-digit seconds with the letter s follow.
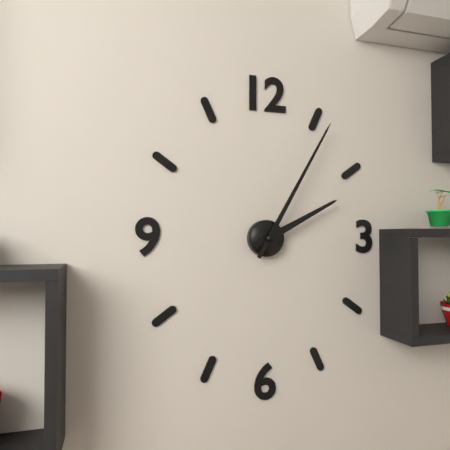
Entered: 2h05
